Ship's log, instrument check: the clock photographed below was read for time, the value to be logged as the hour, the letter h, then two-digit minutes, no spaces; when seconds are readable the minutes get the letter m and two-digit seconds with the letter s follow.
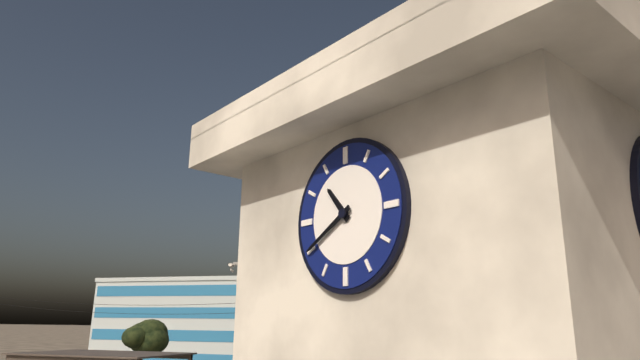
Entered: 10h40
